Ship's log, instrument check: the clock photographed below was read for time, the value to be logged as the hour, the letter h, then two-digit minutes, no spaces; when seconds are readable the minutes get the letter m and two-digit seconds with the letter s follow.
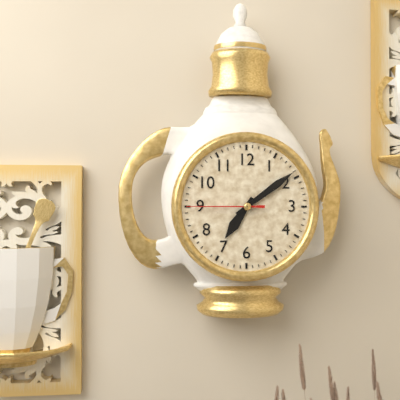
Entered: 7h09m45s
